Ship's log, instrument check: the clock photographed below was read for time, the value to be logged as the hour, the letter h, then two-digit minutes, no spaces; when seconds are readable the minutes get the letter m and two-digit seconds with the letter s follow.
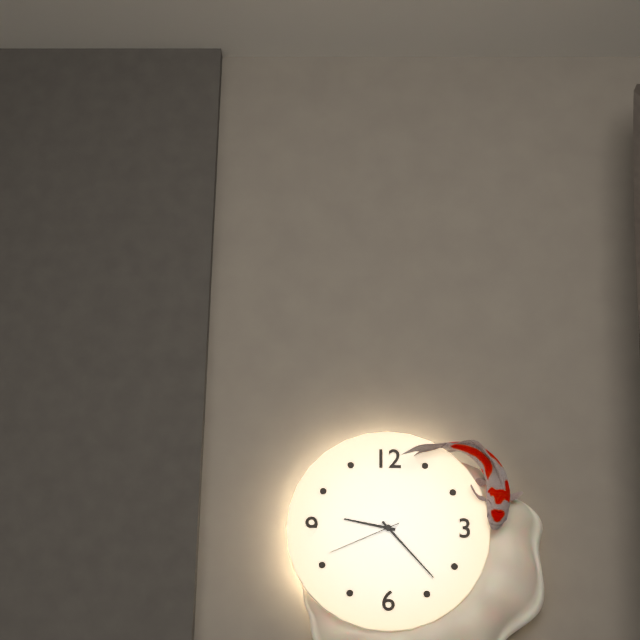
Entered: 9h23m41s
